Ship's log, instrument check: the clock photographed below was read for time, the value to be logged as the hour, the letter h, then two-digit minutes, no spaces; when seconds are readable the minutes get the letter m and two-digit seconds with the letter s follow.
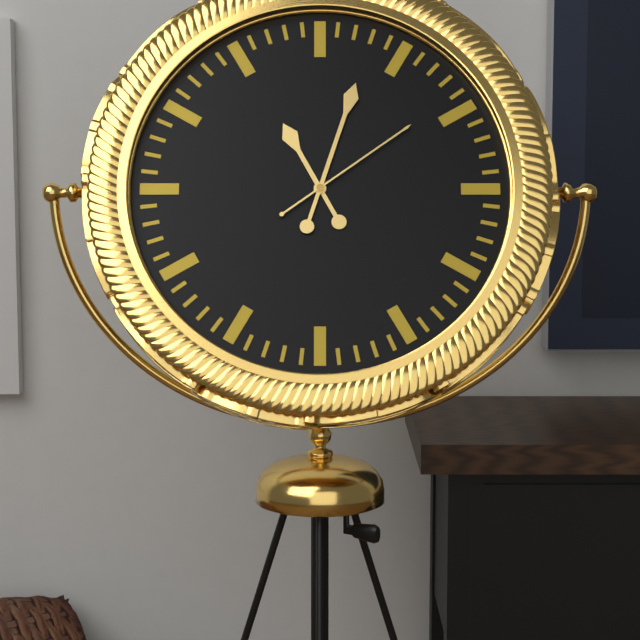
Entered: 11h03m09s
